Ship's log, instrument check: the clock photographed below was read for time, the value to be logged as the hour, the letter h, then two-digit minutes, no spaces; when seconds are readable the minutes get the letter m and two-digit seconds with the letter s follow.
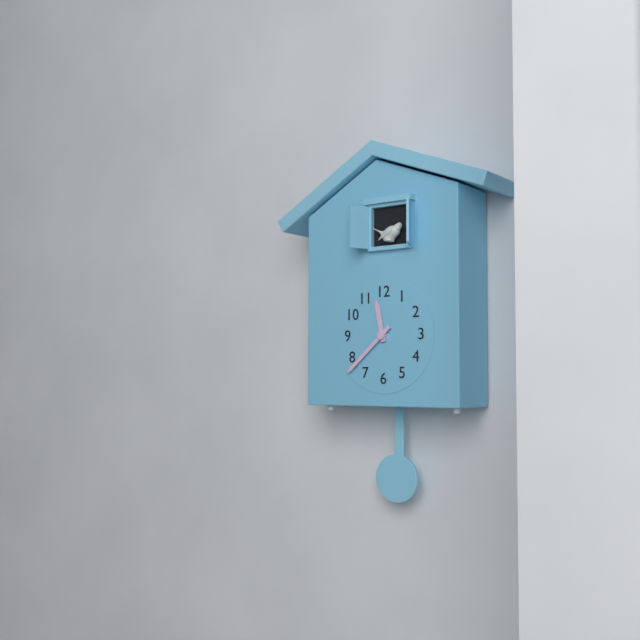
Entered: 11h38
